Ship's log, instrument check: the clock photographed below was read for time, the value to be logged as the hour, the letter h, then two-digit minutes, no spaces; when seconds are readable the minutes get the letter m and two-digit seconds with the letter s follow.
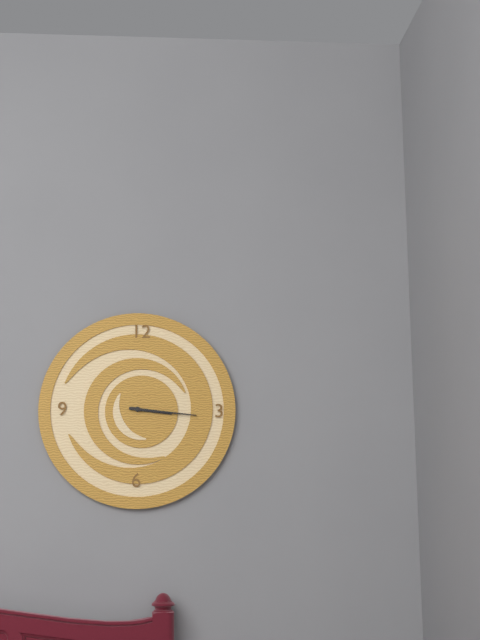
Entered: 3h16
